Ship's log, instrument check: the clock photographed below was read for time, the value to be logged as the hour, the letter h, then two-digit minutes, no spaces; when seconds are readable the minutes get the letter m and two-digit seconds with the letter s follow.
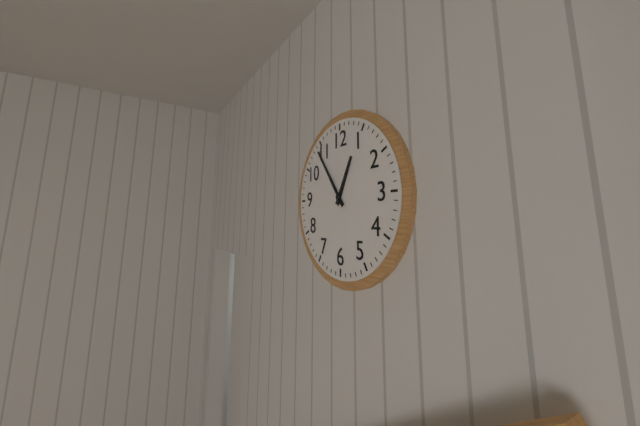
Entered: 12h54
